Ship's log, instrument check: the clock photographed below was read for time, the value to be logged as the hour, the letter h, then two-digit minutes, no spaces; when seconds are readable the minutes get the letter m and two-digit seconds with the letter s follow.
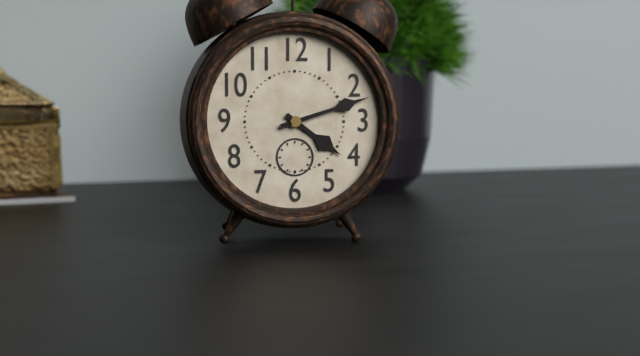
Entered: 4h12
